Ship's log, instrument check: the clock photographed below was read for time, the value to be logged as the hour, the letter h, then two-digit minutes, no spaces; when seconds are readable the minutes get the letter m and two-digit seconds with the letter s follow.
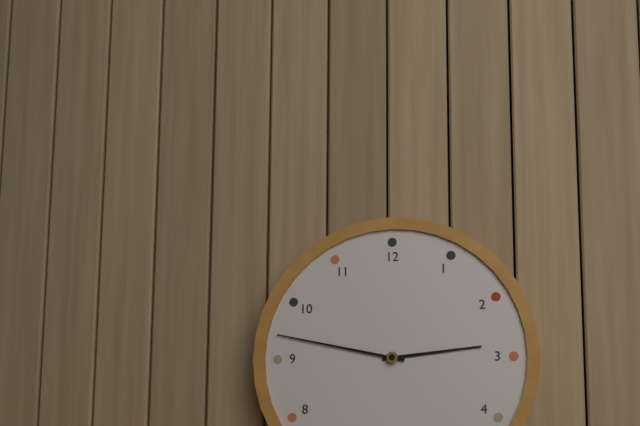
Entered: 2h47
